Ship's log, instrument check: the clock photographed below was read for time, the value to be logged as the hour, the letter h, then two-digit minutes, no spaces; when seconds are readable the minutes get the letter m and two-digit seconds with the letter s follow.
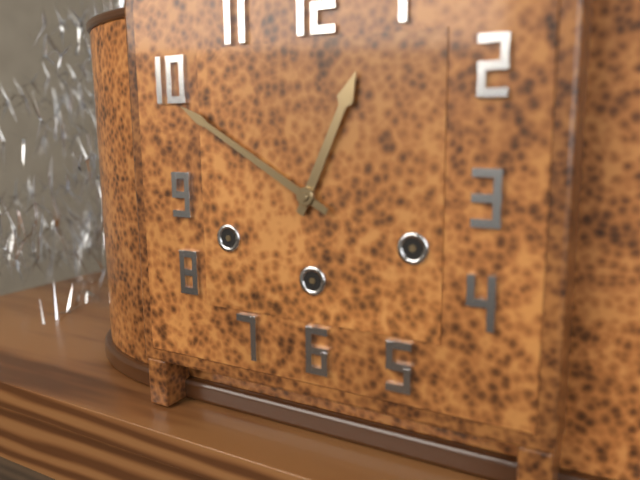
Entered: 12h50
